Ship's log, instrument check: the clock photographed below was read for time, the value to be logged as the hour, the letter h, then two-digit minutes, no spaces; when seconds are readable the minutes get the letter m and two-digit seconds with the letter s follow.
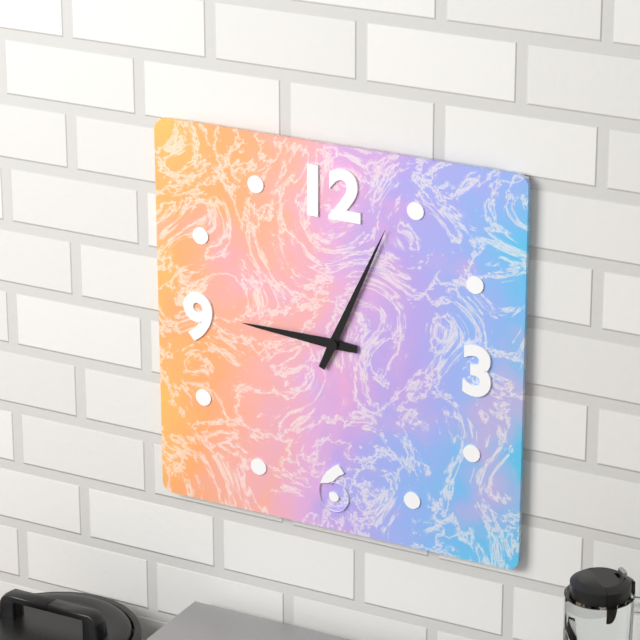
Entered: 9h04
